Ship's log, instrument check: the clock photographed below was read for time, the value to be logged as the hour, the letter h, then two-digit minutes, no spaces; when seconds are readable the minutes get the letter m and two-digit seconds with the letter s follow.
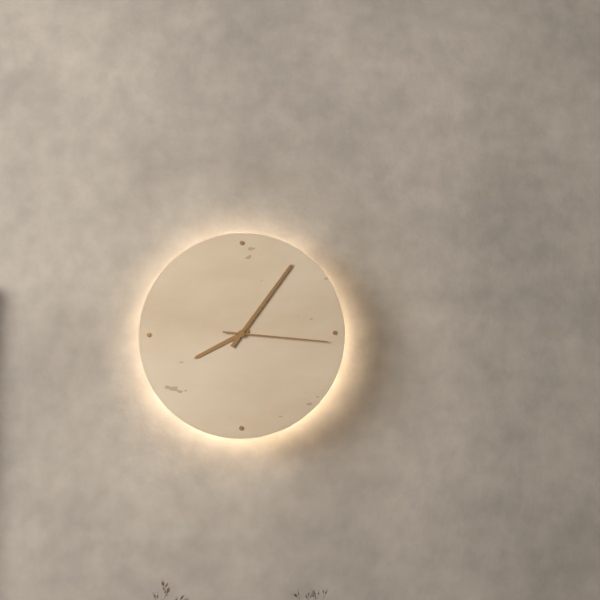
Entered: 8h06m16s
